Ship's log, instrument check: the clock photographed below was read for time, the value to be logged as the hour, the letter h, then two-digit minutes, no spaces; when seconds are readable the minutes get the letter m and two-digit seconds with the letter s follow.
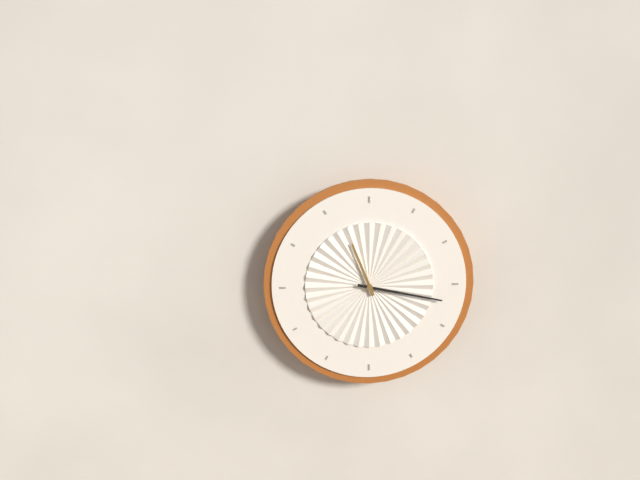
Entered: 11h17
